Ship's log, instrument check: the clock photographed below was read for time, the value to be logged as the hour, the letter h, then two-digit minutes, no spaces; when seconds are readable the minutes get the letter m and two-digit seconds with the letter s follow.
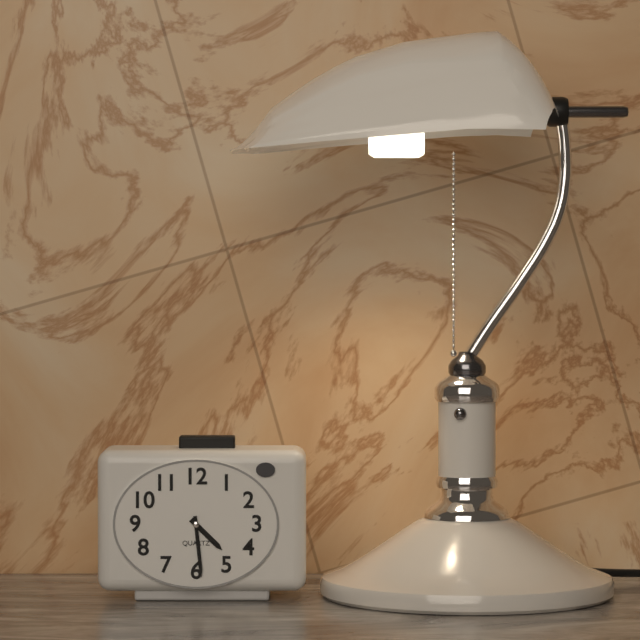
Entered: 4h29
